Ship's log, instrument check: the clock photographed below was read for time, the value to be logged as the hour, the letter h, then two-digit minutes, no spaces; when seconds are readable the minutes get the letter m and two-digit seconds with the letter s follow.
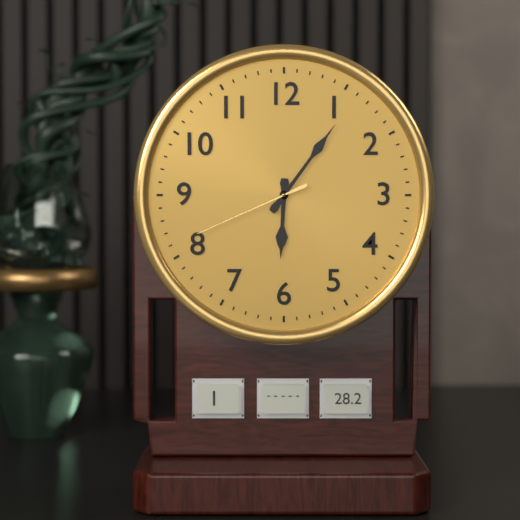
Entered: 6h06m41s
